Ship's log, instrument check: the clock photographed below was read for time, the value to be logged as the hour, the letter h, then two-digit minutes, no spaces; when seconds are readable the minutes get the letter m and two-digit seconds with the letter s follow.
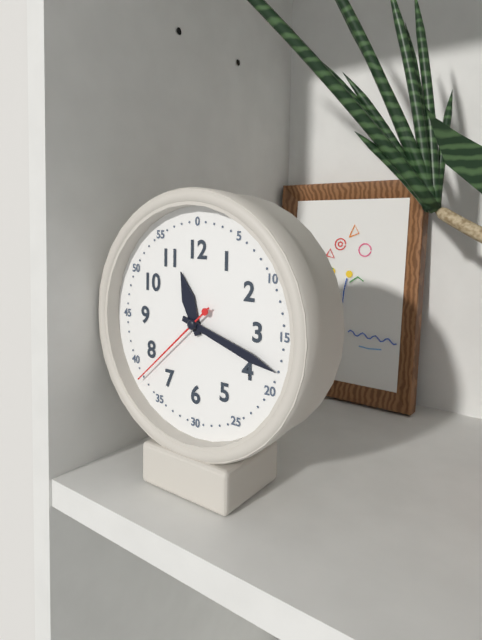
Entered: 11h18m38s
